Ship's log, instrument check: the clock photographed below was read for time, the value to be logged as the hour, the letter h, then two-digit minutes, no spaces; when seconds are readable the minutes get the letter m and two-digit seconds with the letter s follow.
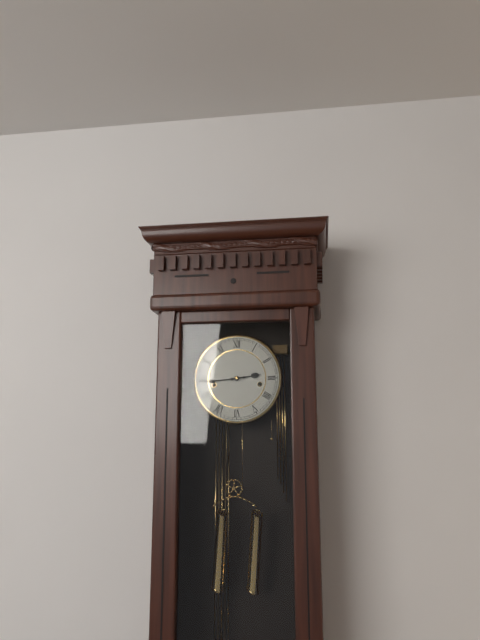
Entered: 2h44
